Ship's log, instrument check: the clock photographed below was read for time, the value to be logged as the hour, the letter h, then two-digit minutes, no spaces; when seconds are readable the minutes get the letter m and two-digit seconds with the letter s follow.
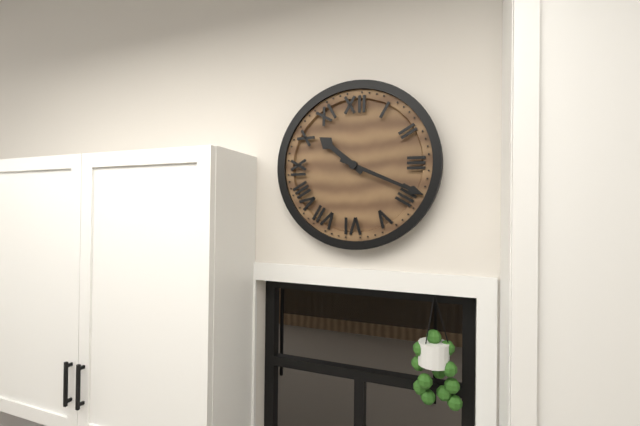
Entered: 10h19
